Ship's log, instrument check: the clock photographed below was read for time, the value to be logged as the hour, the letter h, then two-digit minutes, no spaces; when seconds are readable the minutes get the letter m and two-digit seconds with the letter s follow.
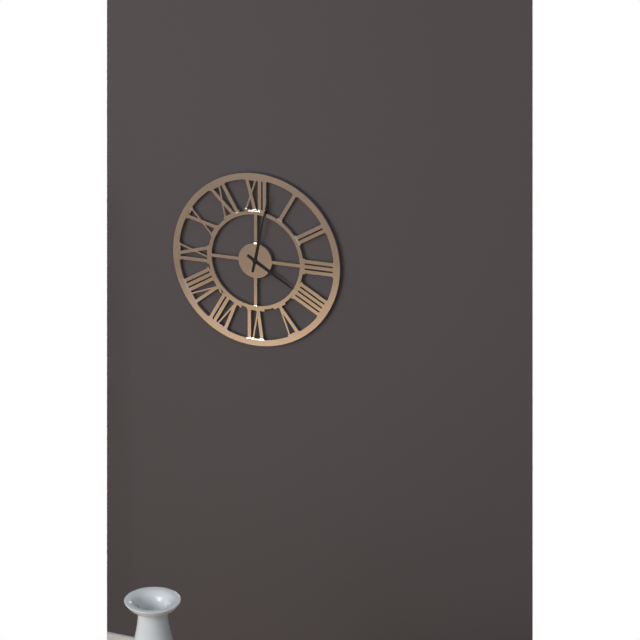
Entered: 4h02
